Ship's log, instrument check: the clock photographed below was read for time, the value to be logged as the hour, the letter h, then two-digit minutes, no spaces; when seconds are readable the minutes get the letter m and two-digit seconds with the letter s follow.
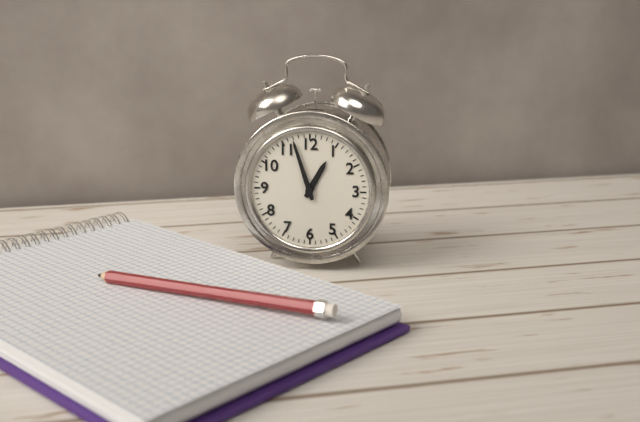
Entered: 12h57
